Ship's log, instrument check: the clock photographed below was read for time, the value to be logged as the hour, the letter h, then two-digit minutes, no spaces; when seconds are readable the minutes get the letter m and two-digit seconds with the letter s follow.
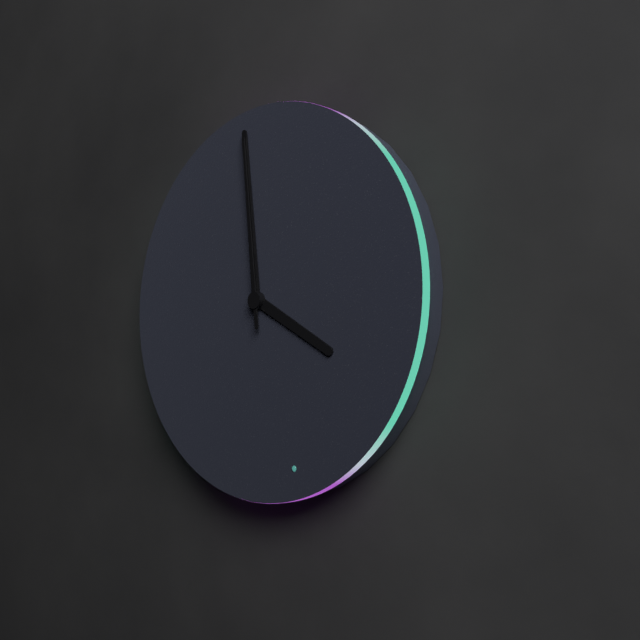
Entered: 3h59m59s
